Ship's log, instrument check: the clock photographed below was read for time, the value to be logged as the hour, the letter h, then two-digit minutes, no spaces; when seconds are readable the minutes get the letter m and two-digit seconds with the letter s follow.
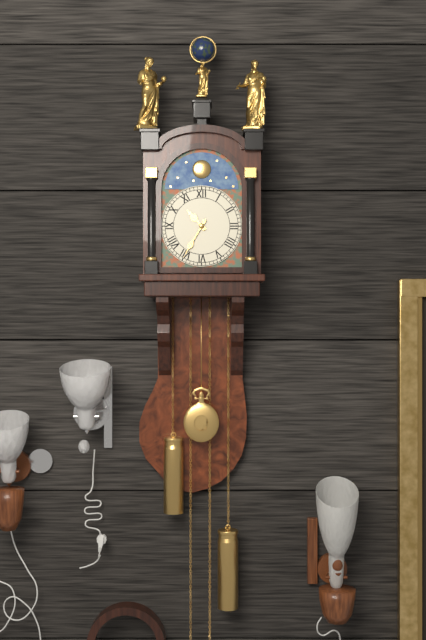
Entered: 10h35
